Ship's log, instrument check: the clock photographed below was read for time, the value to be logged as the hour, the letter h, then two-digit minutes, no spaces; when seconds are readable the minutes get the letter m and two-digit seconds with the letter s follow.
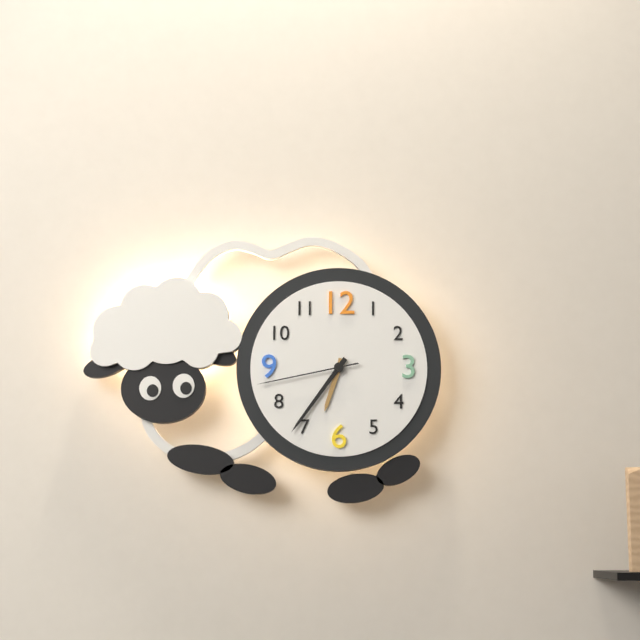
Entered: 6h36m43s
